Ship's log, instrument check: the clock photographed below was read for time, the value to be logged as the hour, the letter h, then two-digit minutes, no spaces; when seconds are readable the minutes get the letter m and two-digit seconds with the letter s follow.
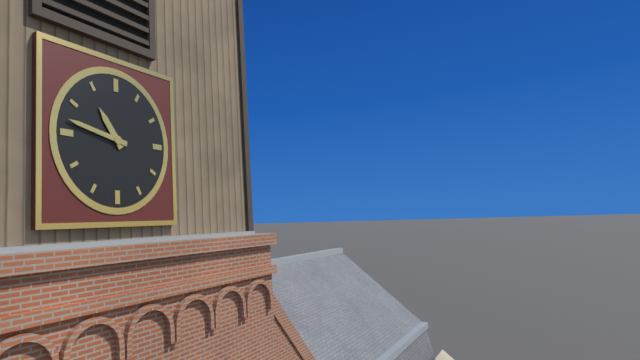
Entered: 10h47
